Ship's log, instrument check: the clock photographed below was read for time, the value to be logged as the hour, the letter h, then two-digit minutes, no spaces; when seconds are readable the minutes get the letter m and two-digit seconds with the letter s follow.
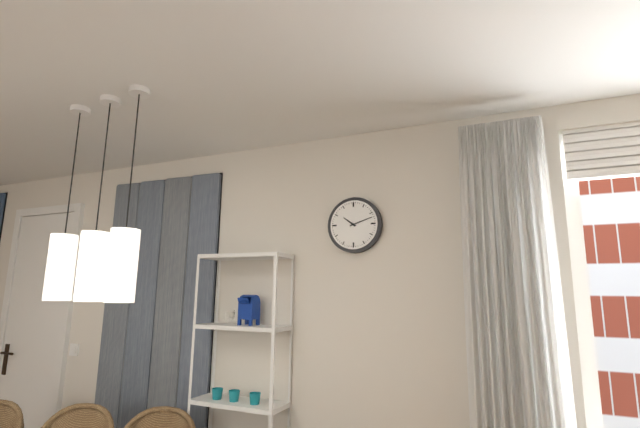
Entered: 10h12
